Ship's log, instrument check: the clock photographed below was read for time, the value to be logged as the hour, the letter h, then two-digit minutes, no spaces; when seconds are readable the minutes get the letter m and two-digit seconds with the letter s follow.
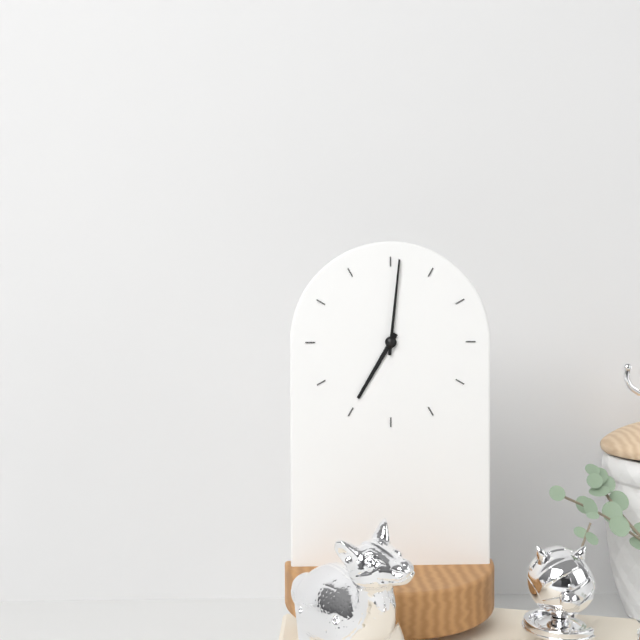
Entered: 7h01
